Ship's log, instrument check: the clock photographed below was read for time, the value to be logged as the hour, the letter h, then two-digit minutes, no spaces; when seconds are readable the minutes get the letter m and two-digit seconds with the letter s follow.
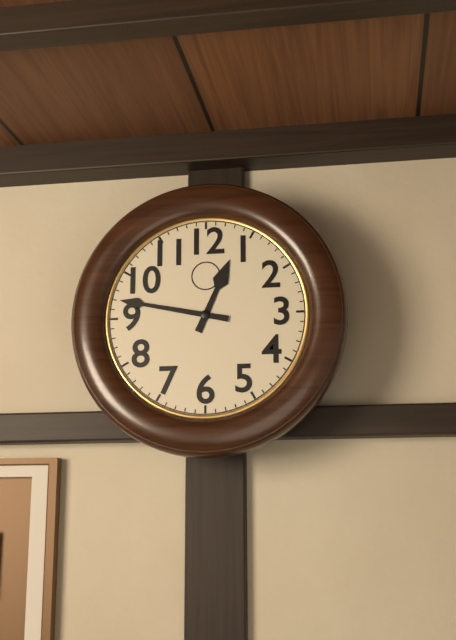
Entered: 12h47
